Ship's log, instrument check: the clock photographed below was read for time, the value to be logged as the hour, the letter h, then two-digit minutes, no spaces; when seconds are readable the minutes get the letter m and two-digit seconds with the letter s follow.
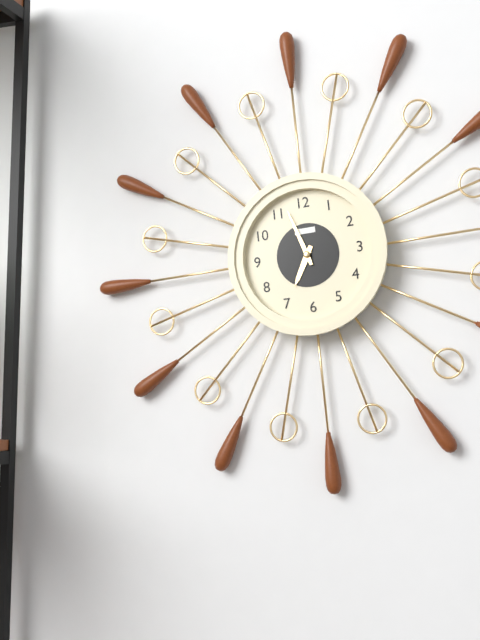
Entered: 6h57
